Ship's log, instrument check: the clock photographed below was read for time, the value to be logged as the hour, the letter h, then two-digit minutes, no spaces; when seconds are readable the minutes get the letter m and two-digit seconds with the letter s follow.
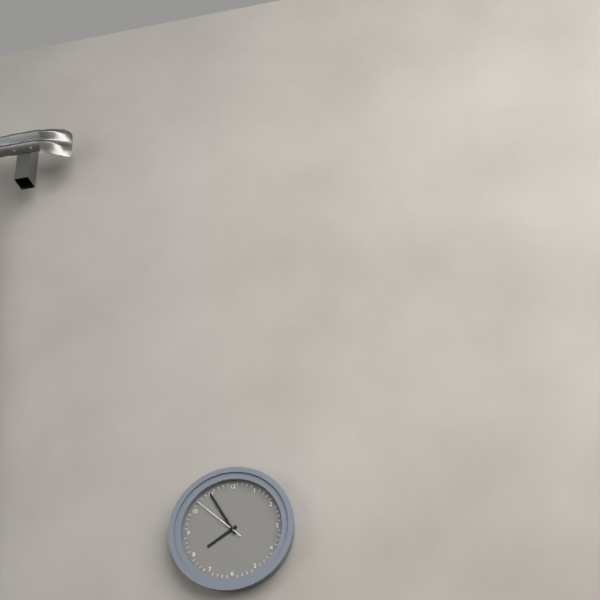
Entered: 7h55m52s
